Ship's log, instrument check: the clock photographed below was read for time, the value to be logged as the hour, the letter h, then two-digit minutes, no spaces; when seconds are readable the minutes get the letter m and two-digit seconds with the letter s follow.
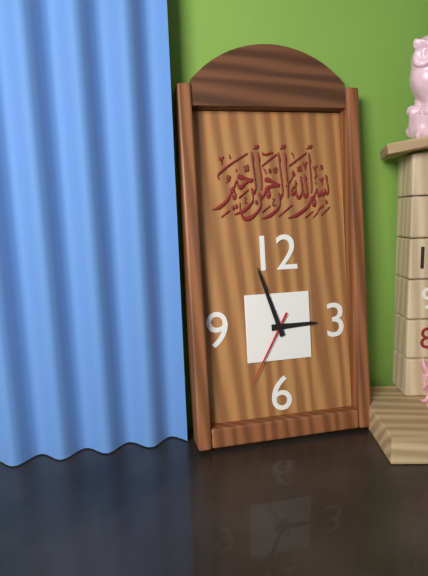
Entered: 2h57m35s
